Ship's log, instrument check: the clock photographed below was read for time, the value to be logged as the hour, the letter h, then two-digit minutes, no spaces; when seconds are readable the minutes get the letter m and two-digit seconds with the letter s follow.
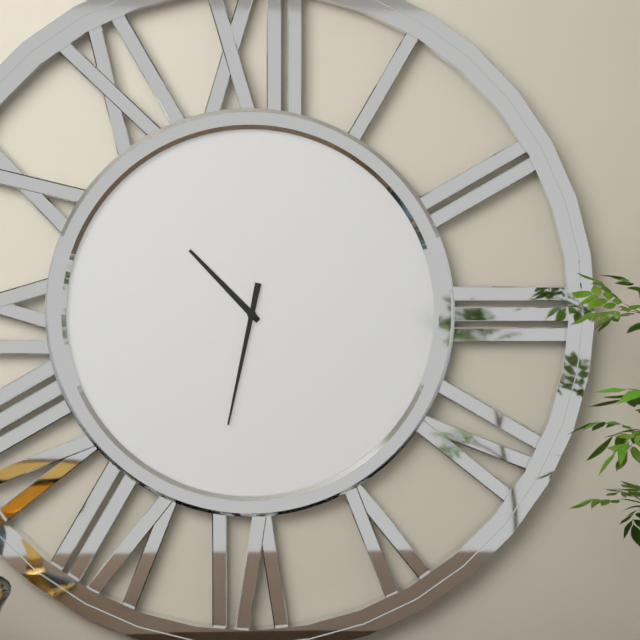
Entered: 10h32
